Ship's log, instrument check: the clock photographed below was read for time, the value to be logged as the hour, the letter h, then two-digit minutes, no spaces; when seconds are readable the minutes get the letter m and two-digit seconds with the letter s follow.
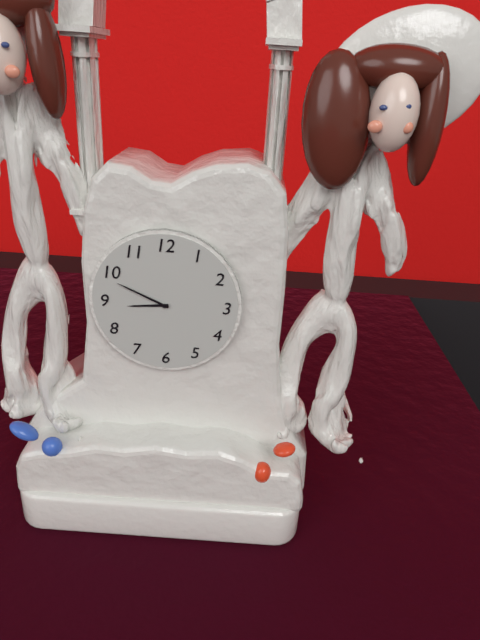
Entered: 8h49
